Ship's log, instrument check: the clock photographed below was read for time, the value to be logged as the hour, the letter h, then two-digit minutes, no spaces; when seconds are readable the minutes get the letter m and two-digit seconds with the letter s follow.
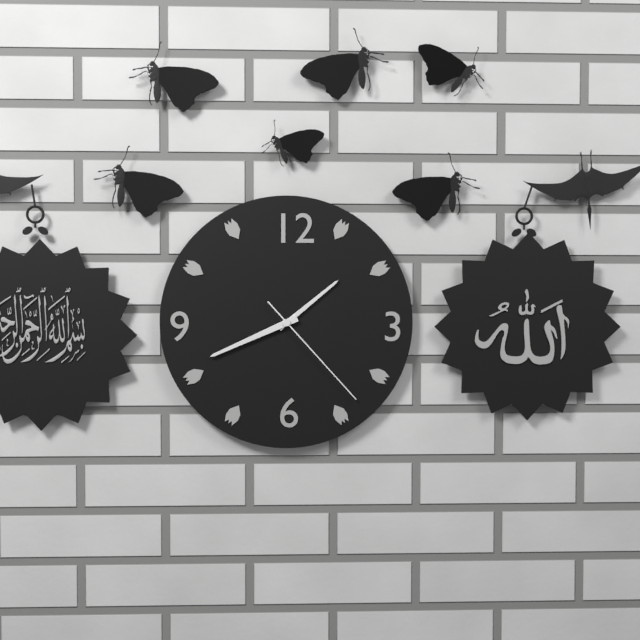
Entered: 1h41m23s
